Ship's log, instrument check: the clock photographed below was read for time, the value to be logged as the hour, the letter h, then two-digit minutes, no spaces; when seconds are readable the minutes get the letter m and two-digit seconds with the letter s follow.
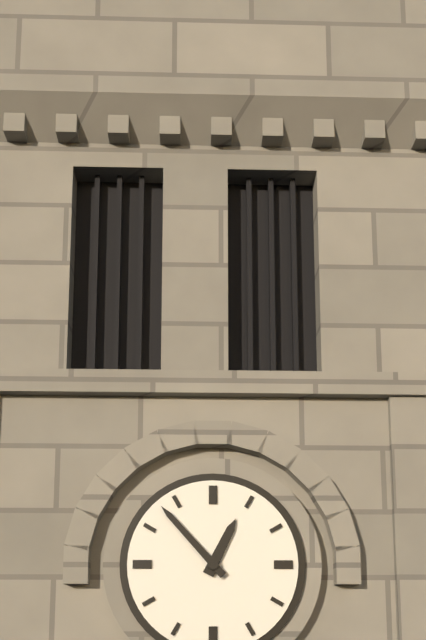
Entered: 12h53
